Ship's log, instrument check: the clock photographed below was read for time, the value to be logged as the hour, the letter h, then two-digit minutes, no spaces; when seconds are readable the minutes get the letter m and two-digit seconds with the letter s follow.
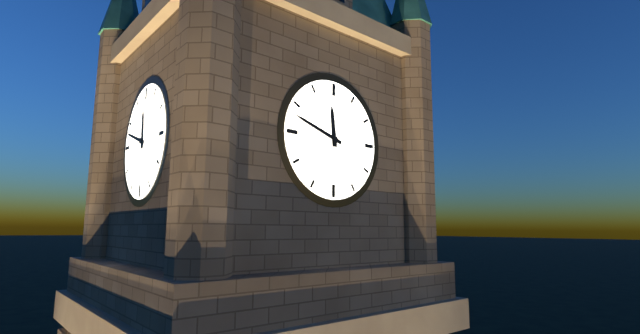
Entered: 11h48
